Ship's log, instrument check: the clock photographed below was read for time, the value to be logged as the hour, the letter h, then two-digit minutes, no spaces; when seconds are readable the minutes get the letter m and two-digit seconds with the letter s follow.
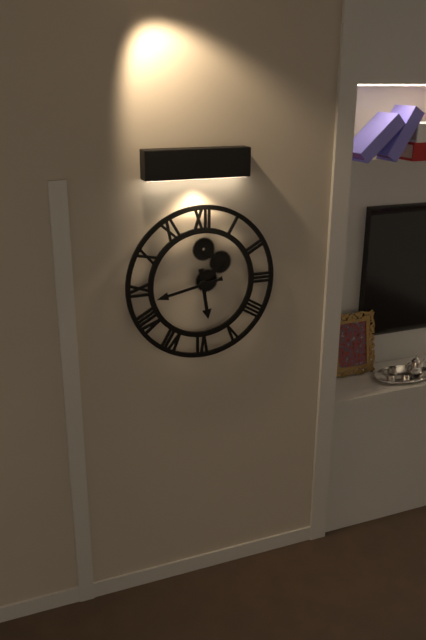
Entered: 5h43
